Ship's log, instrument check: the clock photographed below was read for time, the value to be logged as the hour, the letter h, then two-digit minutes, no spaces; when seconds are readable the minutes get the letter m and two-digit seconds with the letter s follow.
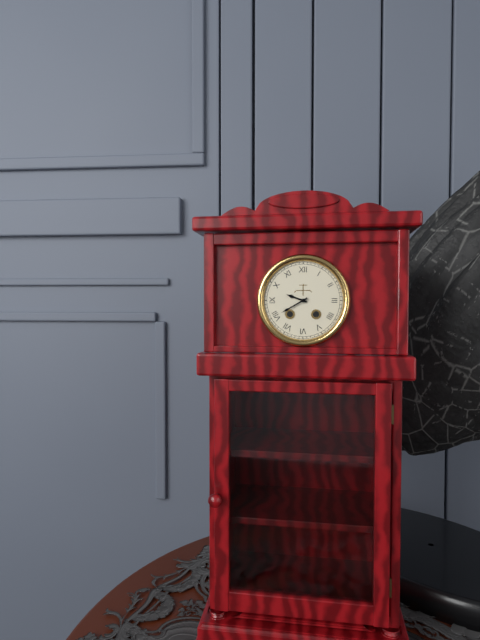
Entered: 9h40
